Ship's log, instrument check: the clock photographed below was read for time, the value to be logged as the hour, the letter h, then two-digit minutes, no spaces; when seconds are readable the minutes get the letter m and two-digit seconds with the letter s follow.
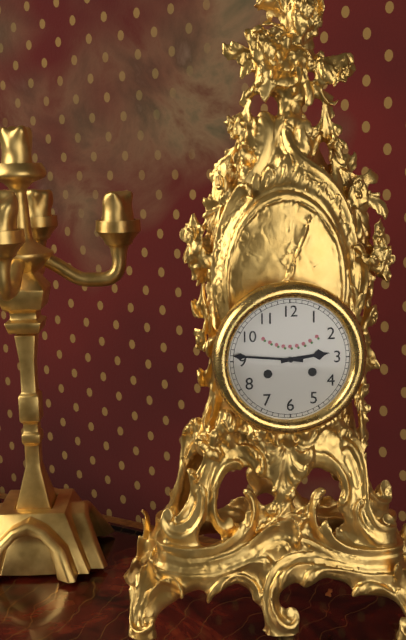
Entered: 2h46
